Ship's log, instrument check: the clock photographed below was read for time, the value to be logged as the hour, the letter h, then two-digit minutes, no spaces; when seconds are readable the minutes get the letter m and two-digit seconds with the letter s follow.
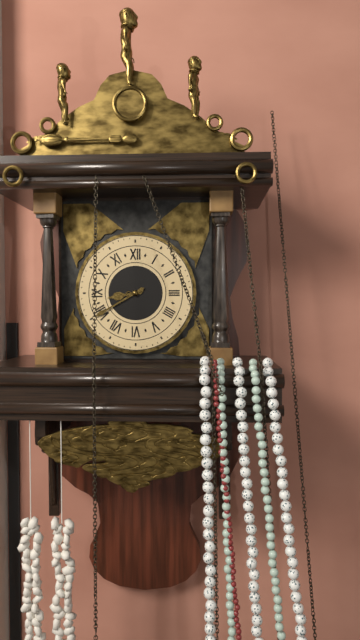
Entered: 8h40
